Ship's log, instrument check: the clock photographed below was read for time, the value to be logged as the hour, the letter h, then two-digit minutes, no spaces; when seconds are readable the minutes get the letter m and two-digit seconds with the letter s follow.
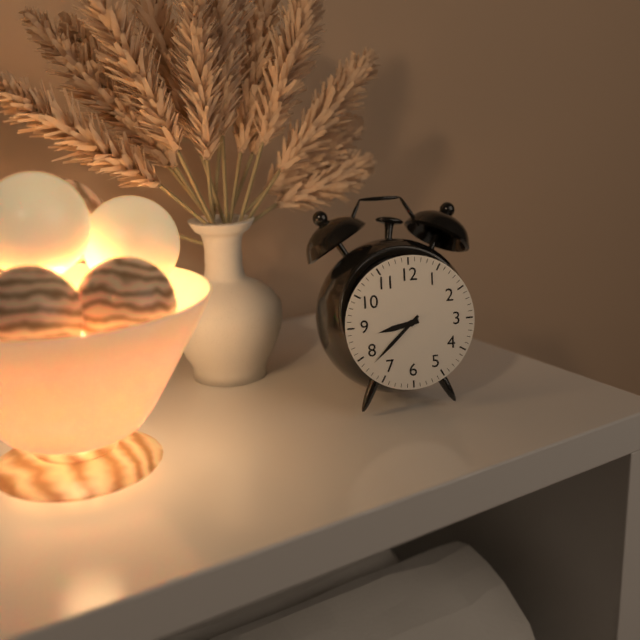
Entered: 8h38
